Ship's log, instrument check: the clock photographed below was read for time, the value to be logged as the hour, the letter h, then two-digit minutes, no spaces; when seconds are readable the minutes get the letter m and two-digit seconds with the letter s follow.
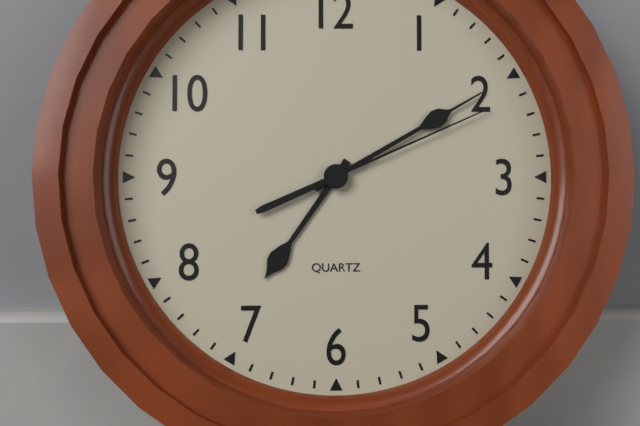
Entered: 7h10m11s
